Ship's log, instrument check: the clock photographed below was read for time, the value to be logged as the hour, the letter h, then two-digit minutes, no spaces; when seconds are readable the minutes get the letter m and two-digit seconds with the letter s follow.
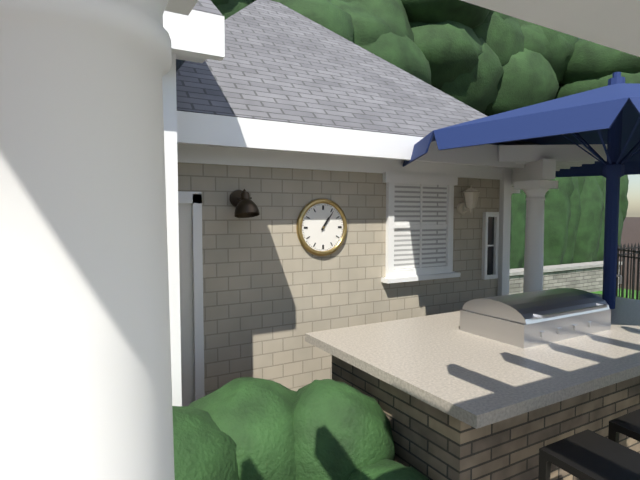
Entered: 1h06
